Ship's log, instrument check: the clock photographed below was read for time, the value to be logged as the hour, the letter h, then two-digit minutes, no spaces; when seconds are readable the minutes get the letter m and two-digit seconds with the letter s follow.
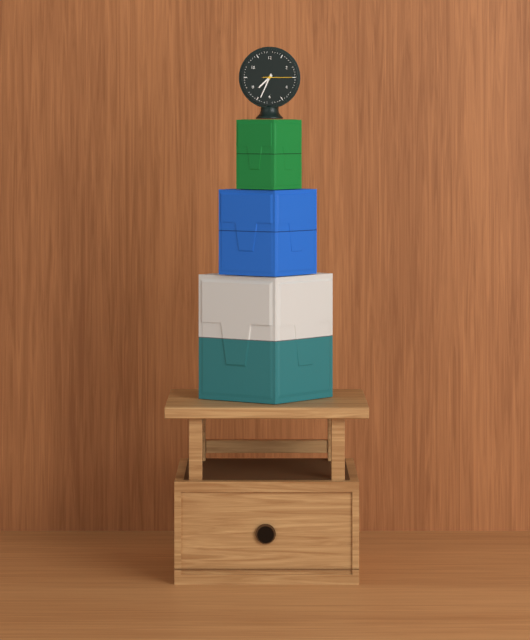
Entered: 7h34
